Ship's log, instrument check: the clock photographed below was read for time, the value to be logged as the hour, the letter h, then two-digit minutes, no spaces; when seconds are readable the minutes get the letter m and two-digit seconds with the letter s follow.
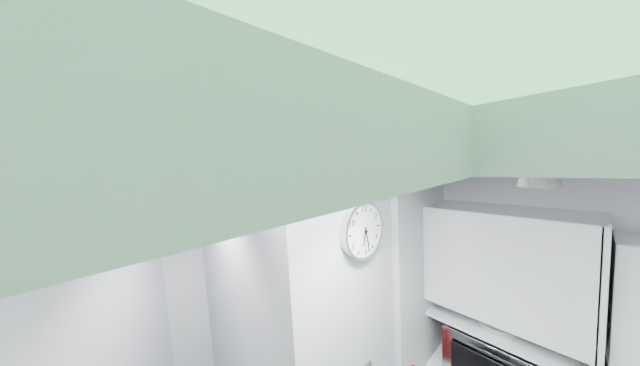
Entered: 6h28
